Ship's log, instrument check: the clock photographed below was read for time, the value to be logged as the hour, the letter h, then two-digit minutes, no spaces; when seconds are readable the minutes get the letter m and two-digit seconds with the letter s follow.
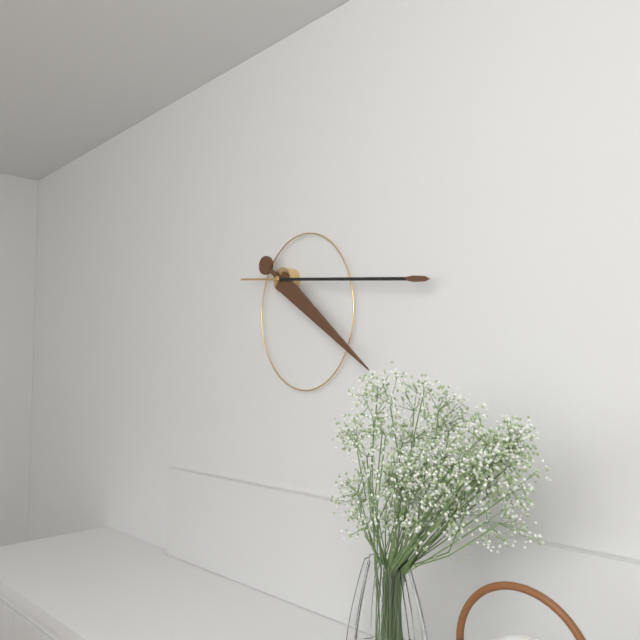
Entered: 4h16
